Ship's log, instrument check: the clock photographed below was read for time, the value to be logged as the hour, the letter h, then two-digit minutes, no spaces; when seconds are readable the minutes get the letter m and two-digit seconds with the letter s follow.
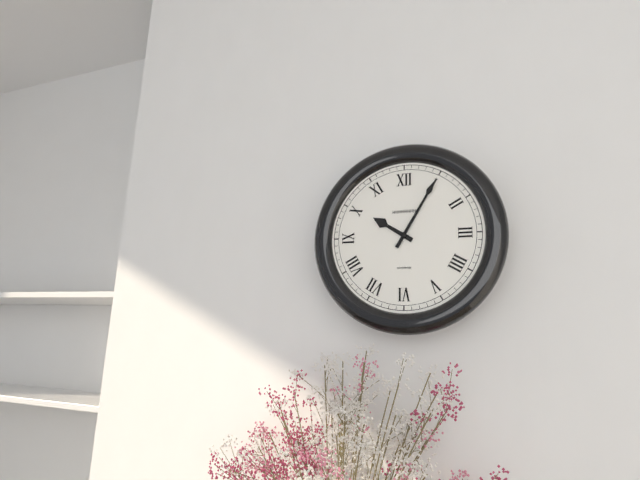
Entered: 10h05
